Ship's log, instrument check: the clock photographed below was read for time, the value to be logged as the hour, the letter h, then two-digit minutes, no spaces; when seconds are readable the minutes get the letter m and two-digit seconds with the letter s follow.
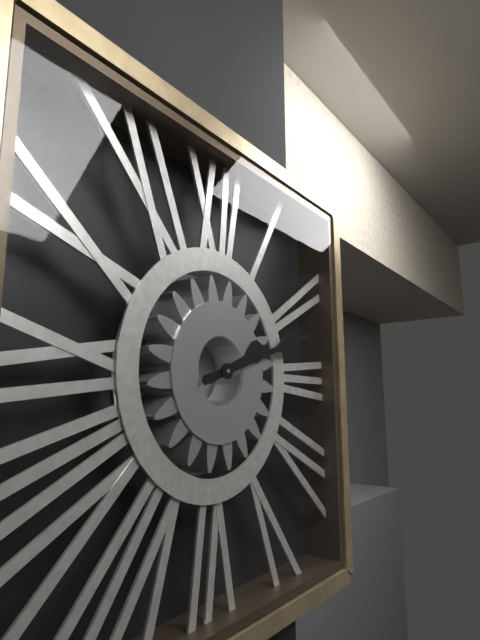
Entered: 2h12
